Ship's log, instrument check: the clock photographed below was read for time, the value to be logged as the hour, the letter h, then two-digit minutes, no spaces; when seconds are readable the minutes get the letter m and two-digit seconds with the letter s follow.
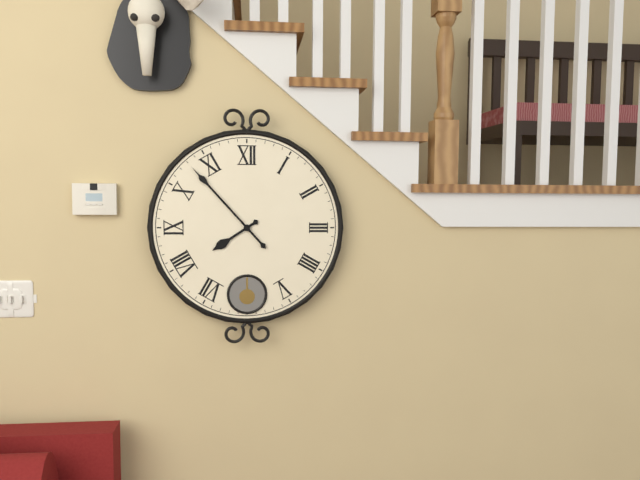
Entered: 7h53
